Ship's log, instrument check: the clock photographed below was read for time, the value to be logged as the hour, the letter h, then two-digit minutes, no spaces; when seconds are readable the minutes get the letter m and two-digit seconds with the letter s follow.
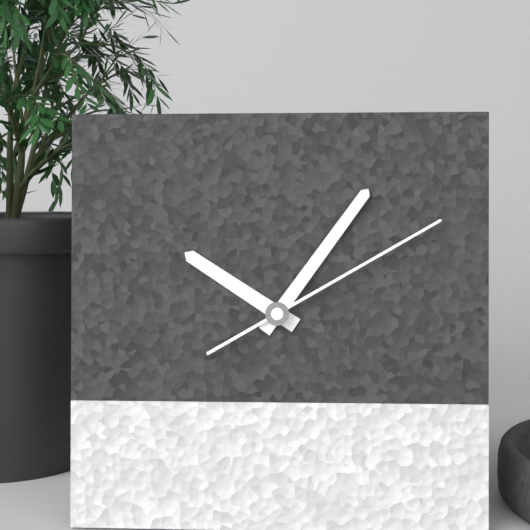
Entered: 10h06m10s
